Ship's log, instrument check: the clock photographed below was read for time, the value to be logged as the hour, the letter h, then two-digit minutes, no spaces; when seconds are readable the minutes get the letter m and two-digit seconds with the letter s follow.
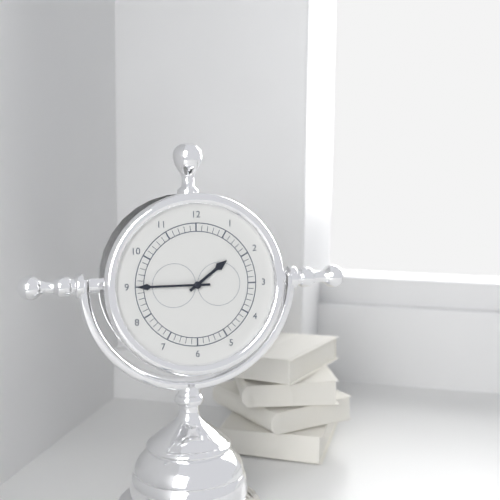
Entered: 1h45
